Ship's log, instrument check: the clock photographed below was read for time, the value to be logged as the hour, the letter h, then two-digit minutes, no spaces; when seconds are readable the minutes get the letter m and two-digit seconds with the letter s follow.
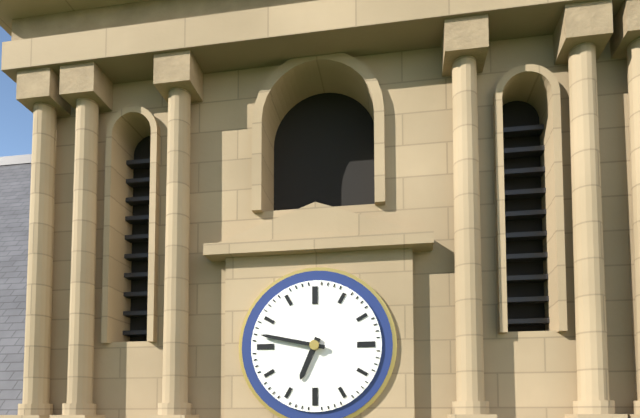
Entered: 6h47
